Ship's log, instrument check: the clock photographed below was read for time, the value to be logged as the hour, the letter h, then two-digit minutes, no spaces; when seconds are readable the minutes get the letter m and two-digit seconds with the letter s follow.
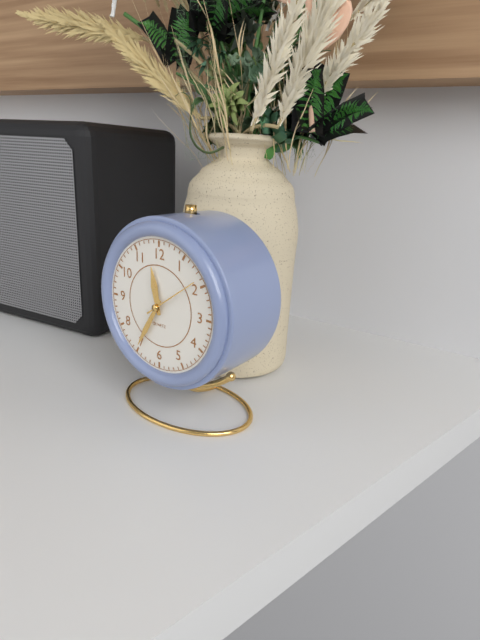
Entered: 11h35m09s
